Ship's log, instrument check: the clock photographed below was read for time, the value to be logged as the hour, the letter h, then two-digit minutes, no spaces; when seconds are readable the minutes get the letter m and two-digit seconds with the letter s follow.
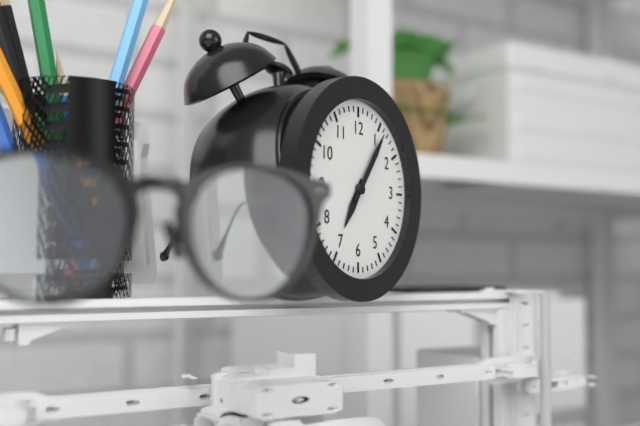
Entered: 7h06
